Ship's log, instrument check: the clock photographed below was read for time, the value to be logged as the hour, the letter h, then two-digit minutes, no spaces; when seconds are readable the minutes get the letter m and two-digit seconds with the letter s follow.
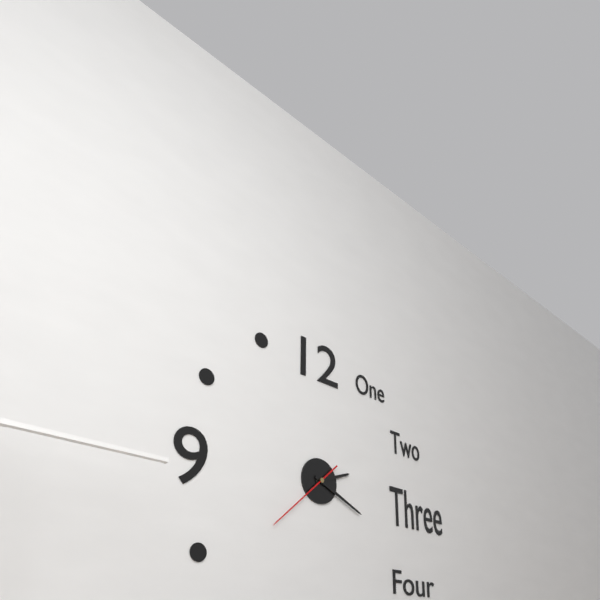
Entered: 2h19m38s
